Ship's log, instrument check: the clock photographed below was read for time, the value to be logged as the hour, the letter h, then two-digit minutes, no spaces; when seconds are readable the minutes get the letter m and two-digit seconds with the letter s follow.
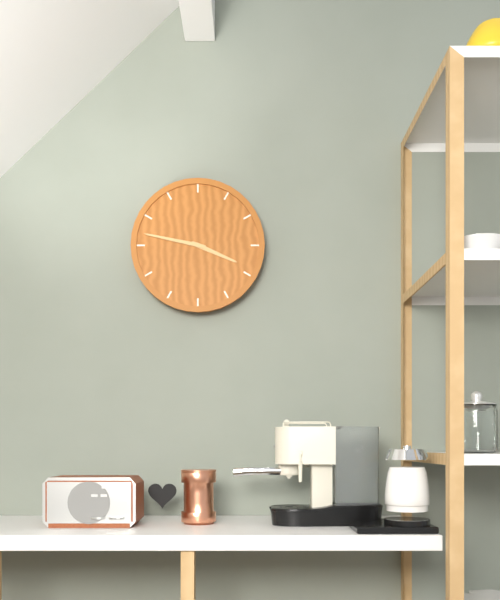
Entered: 3h47
